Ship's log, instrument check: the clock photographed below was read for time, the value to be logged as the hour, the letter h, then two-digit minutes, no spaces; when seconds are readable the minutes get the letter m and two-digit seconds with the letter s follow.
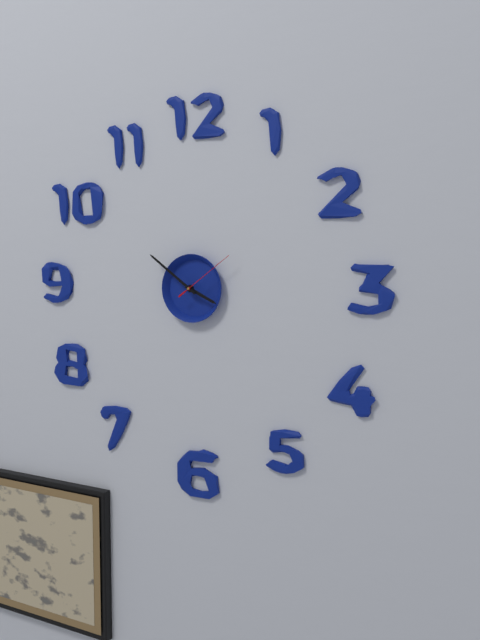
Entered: 3h51m09s
